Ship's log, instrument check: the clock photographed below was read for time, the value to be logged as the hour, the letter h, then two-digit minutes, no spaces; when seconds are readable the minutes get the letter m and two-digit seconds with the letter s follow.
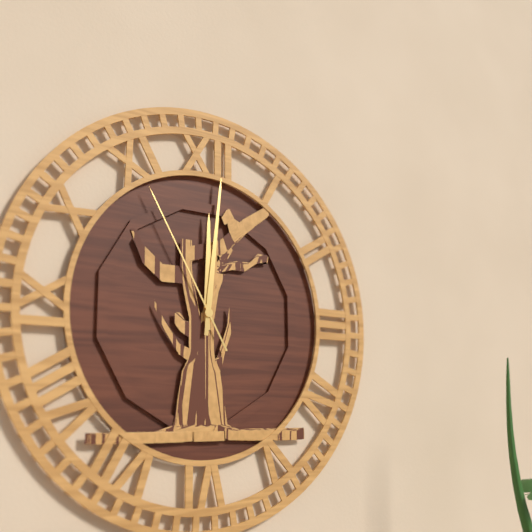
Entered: 12h01m55s
